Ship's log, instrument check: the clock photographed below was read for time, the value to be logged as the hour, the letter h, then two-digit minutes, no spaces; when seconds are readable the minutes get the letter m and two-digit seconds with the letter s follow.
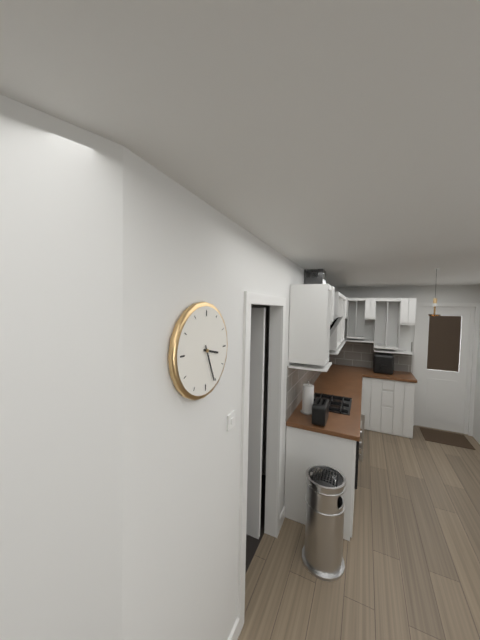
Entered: 3h26
